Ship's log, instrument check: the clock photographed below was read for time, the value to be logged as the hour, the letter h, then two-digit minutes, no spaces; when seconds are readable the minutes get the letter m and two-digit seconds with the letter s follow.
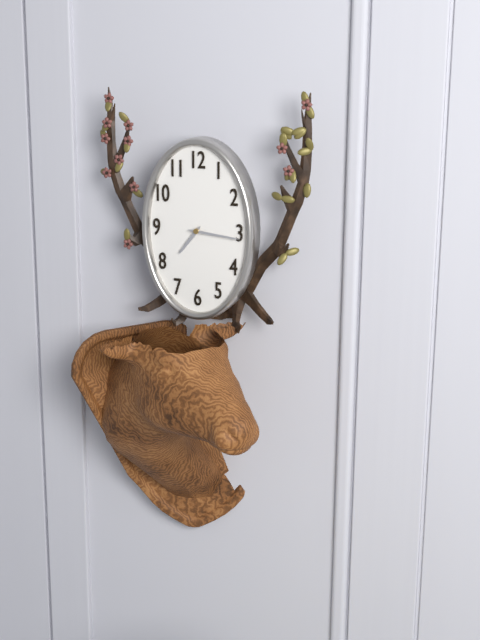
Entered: 7h16
